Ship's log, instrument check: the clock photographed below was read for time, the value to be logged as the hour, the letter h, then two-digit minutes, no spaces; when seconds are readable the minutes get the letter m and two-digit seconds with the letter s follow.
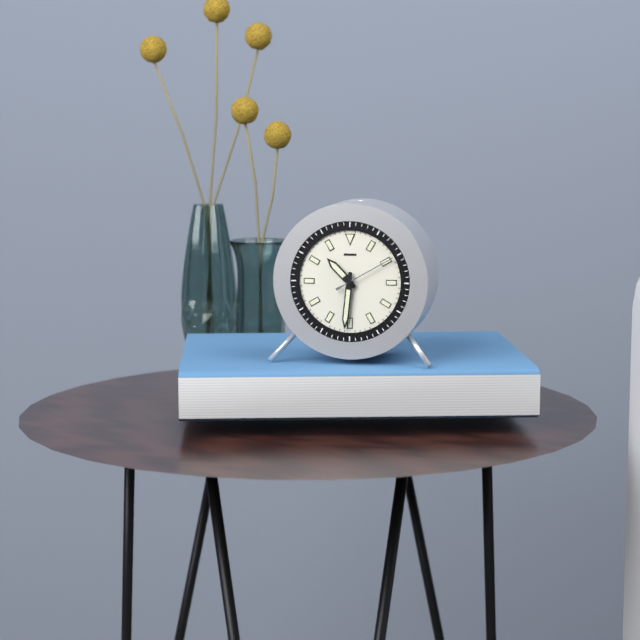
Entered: 10h31m10s
